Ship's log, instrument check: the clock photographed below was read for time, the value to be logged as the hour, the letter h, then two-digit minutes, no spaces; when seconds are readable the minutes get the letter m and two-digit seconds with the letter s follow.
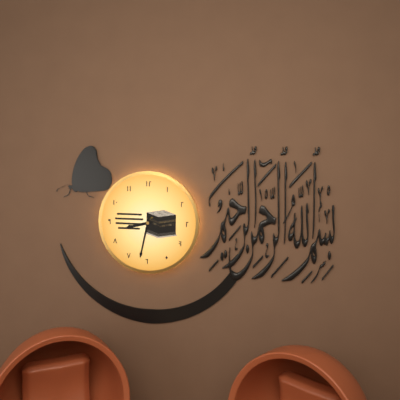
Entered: 8h32
